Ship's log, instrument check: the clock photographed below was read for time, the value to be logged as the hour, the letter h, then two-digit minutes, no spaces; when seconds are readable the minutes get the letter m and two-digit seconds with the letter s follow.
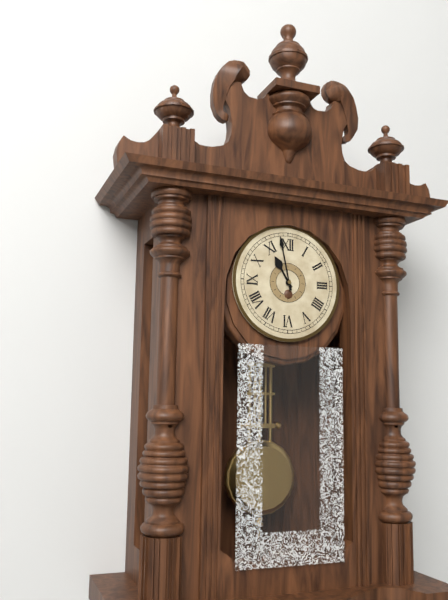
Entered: 10h58
